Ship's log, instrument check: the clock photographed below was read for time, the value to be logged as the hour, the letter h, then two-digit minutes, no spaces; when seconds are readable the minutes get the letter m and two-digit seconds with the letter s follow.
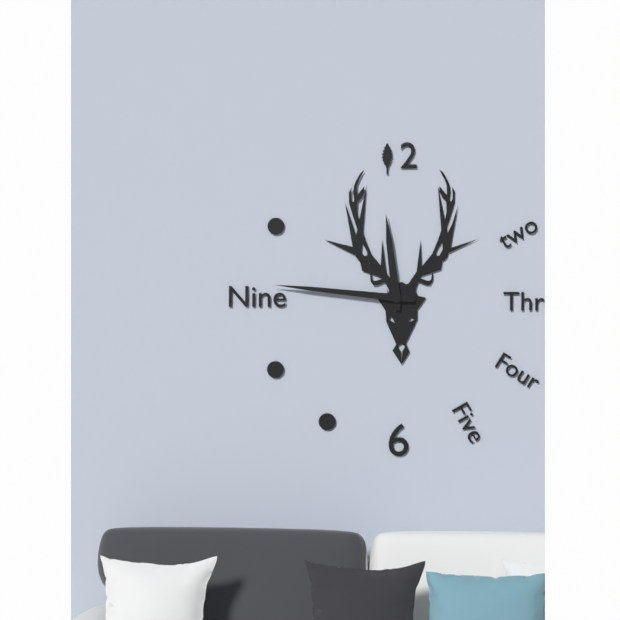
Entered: 11h46
